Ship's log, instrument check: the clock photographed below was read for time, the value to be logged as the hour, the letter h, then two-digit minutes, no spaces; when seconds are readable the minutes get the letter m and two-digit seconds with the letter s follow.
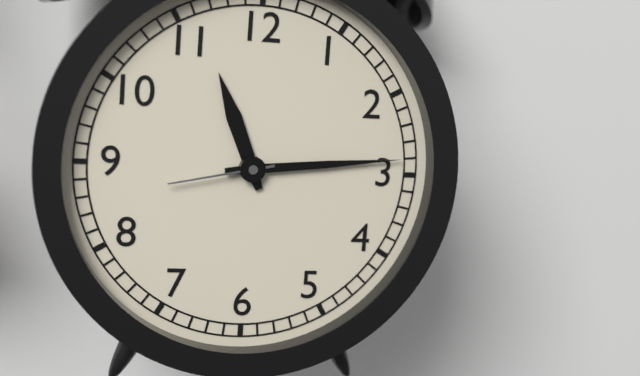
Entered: 11h14m43s
